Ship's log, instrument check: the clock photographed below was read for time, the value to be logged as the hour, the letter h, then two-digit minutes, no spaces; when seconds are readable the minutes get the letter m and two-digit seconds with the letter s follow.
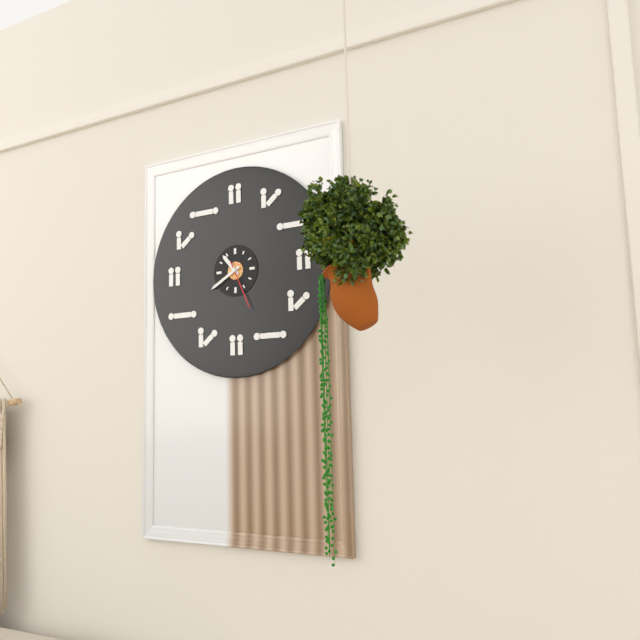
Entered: 10h40m26s
